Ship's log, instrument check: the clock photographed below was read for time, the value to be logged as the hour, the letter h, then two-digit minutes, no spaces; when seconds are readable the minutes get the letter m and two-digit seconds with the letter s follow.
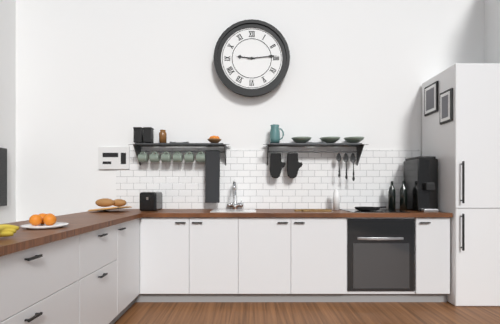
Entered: 9h14
